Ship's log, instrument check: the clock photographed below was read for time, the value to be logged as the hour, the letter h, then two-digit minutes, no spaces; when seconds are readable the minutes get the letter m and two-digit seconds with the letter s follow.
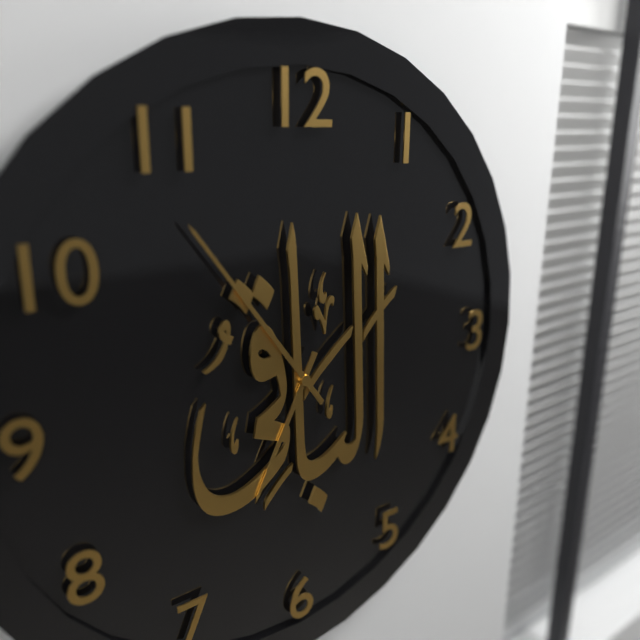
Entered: 6h54
